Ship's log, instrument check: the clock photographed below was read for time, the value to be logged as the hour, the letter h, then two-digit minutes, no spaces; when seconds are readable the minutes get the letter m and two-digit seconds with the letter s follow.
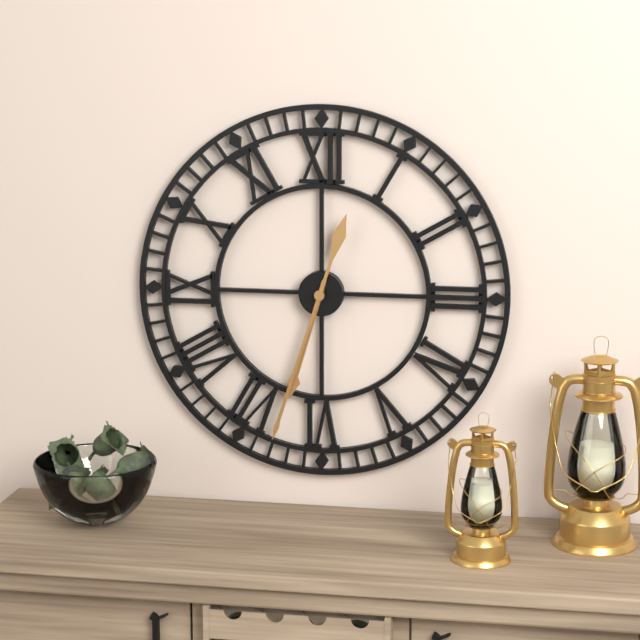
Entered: 6h33
